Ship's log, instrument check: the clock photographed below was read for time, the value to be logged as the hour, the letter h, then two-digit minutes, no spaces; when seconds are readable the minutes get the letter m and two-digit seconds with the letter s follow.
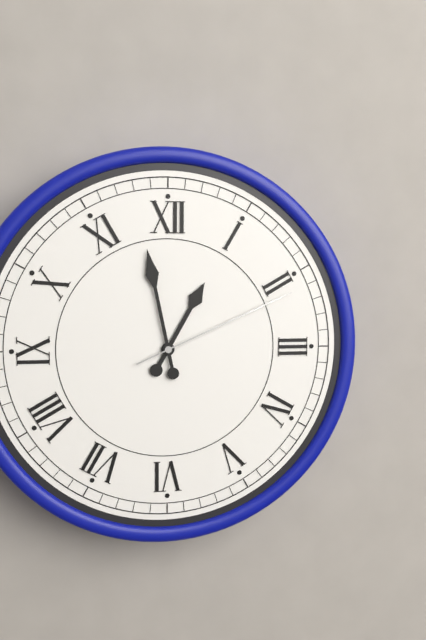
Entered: 12h58m11s
